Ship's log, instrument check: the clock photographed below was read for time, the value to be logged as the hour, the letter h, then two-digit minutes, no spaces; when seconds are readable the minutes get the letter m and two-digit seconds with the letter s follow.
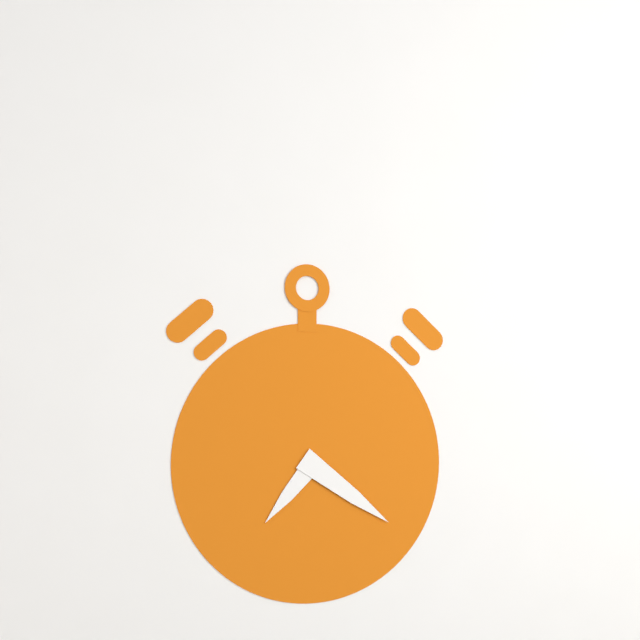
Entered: 7h21
